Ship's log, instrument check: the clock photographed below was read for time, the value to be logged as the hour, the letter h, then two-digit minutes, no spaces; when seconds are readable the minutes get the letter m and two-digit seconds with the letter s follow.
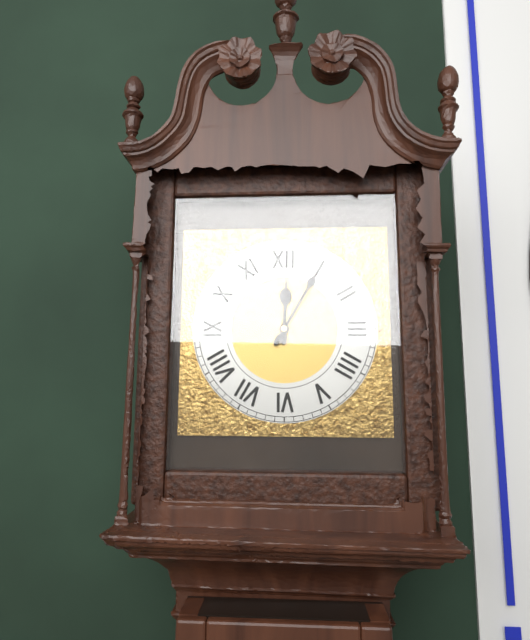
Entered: 12h05
